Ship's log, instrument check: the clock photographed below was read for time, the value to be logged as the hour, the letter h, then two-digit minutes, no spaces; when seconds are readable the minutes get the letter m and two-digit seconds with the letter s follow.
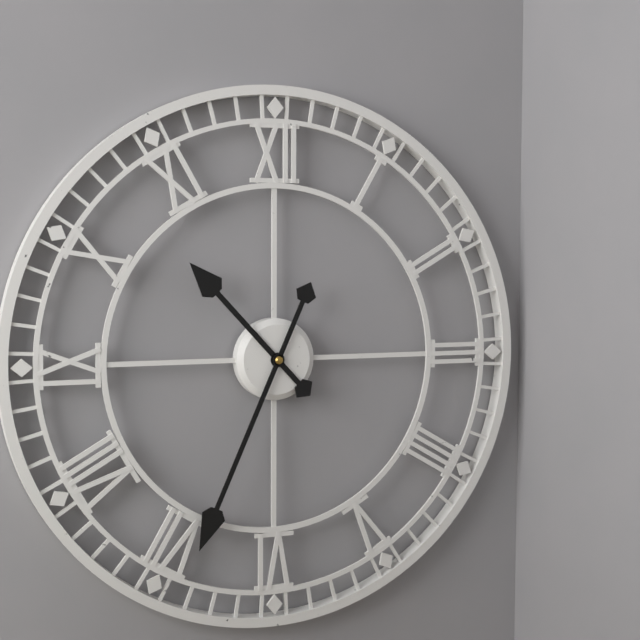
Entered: 10h34
